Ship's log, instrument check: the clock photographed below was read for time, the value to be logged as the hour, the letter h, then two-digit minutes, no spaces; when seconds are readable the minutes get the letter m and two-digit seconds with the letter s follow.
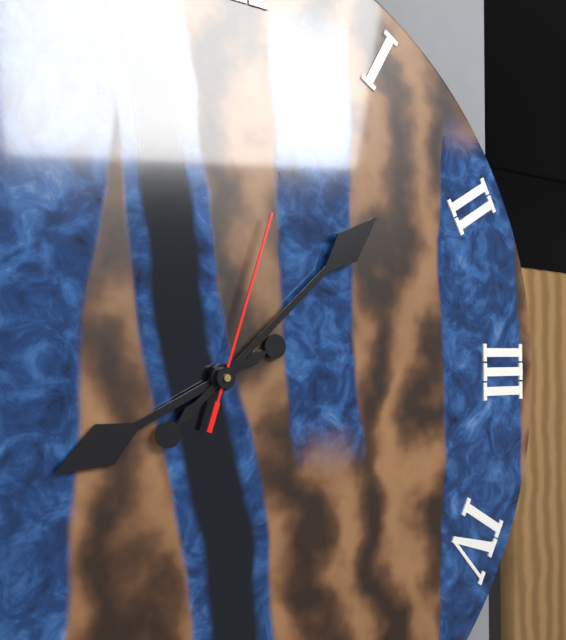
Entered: 8h08m03s
